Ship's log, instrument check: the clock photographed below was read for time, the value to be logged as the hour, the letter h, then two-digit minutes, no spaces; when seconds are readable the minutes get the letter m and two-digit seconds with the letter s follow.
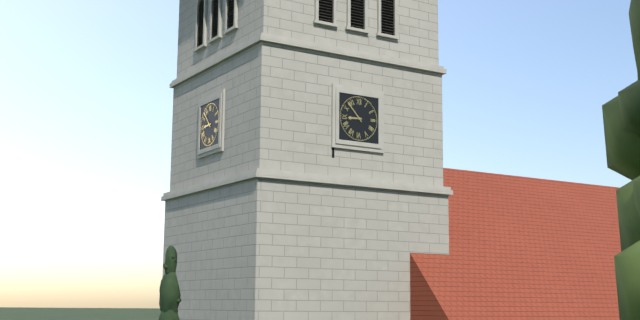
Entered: 8h53
